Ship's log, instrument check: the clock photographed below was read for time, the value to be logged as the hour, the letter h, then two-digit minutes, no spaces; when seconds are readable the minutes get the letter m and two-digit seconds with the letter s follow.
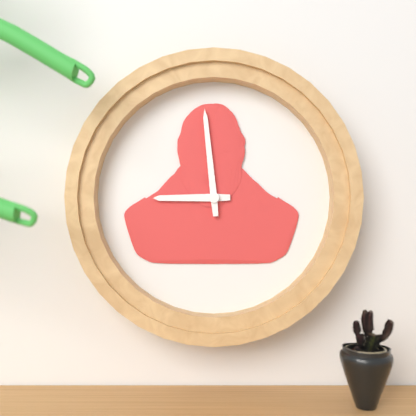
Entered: 8h59
